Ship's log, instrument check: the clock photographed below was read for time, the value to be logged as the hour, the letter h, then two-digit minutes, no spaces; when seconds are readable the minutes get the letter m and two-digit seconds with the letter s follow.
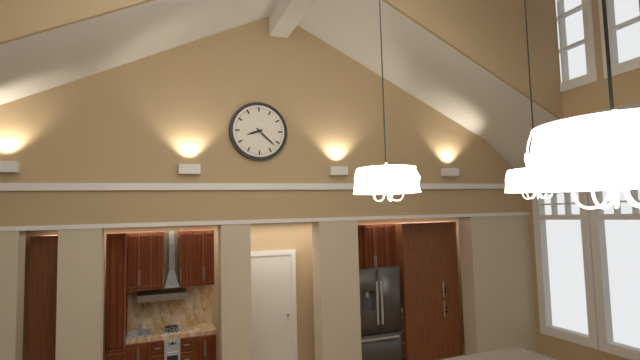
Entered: 8h22
